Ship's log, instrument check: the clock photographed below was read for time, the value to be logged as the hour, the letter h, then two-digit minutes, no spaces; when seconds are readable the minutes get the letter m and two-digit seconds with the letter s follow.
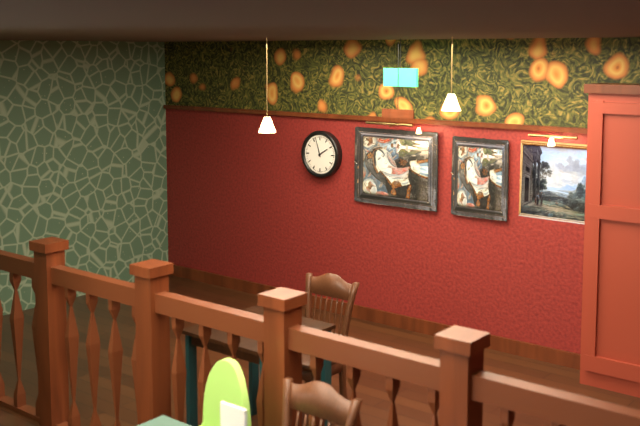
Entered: 1h57
